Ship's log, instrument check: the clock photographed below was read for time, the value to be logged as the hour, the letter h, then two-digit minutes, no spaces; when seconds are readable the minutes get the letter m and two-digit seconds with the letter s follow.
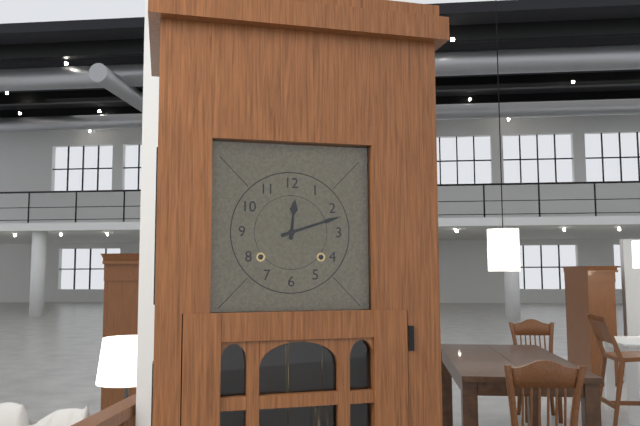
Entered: 12h12
